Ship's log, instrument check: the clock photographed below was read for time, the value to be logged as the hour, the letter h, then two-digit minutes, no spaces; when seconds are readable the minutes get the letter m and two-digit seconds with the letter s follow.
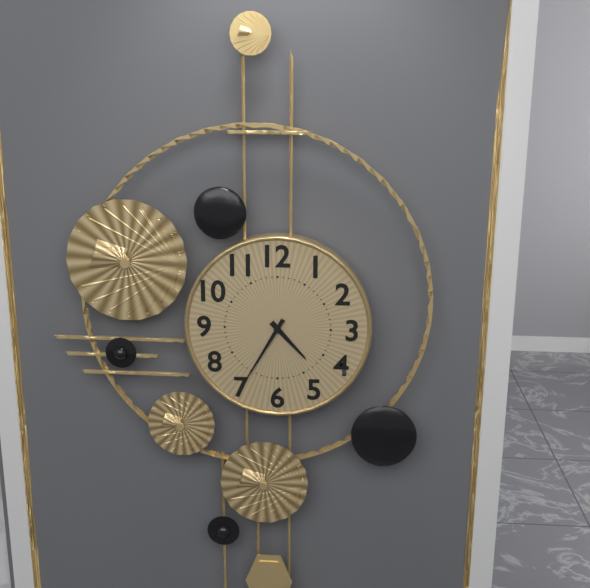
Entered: 4h35
